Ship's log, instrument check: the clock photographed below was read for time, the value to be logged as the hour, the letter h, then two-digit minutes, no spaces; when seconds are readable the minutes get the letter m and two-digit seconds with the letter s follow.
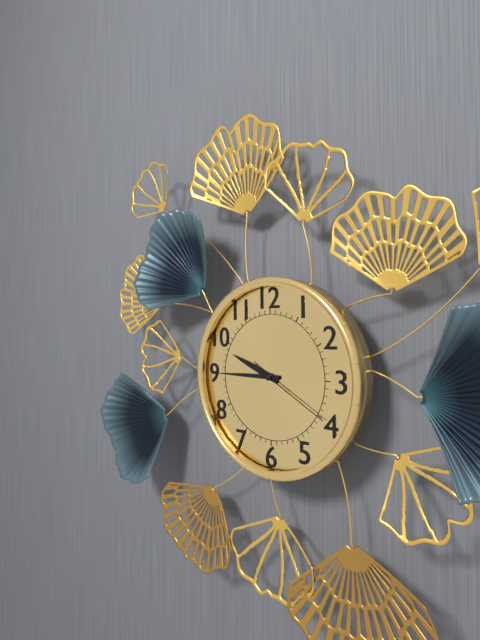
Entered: 9h45m20s
